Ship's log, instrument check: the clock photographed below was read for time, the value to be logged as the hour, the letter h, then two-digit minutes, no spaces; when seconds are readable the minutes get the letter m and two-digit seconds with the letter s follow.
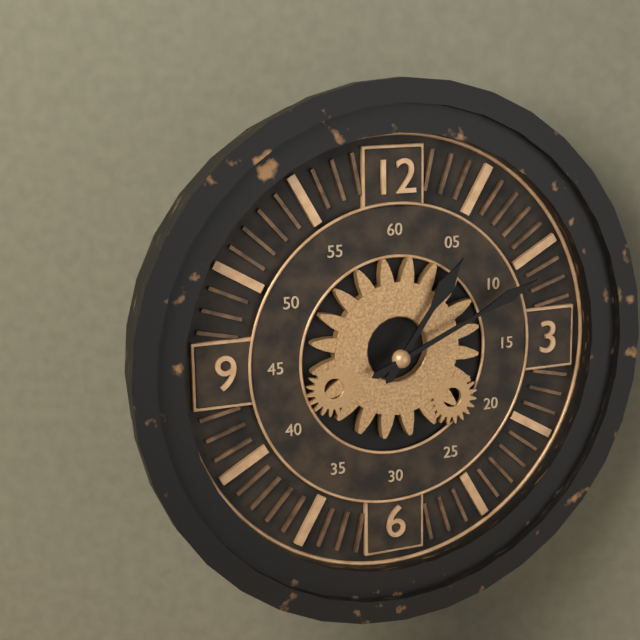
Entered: 1h11
